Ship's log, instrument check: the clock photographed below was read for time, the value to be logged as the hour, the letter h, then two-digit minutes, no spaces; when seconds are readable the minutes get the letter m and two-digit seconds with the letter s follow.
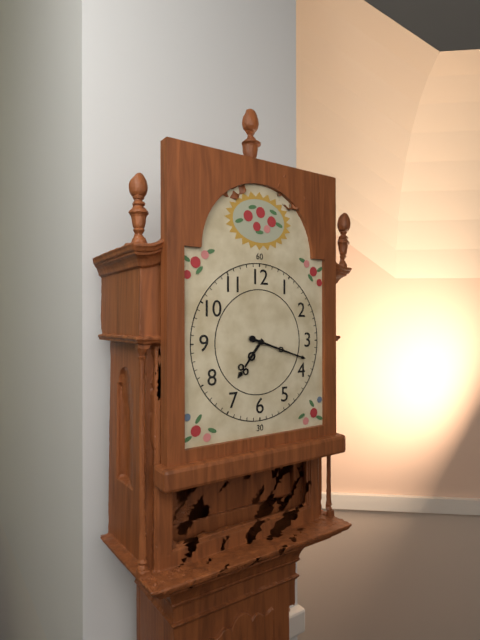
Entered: 7h18
